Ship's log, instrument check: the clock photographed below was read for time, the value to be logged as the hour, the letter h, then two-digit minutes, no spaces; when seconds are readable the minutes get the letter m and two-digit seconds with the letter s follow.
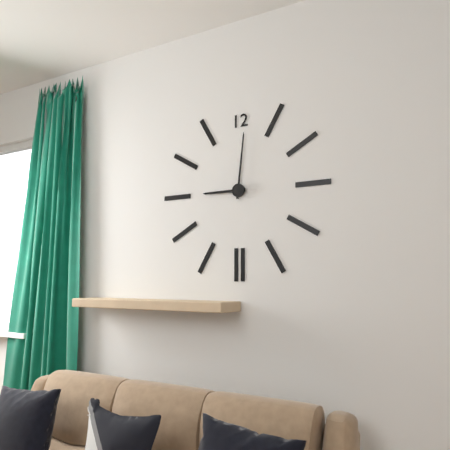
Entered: 9h01
